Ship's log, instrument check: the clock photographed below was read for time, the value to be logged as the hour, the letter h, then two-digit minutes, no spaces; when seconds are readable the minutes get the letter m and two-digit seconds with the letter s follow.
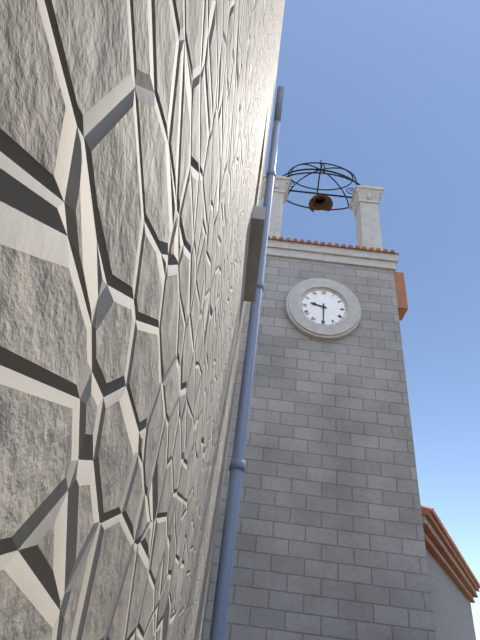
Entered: 9h30
